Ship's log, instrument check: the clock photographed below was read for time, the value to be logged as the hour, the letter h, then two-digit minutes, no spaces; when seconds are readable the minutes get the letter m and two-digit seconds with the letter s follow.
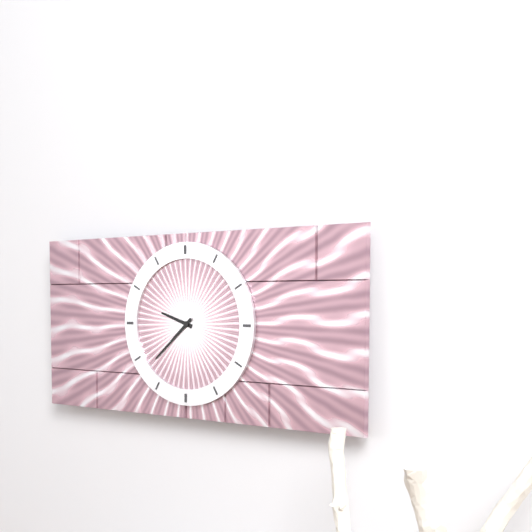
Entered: 9h38
